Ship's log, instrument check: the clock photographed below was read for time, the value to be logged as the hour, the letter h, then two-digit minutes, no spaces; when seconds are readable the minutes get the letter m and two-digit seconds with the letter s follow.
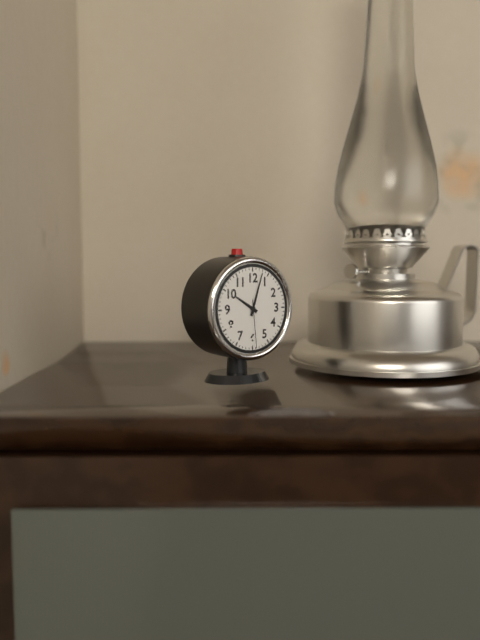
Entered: 10h03m29s
